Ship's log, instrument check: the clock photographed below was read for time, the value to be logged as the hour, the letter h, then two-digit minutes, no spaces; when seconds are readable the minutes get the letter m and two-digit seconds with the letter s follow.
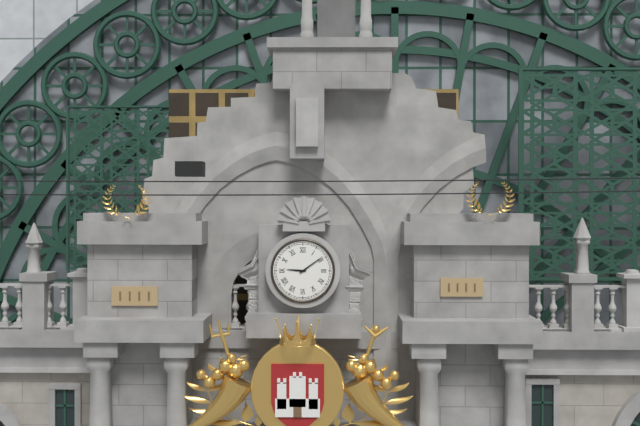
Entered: 9h09
